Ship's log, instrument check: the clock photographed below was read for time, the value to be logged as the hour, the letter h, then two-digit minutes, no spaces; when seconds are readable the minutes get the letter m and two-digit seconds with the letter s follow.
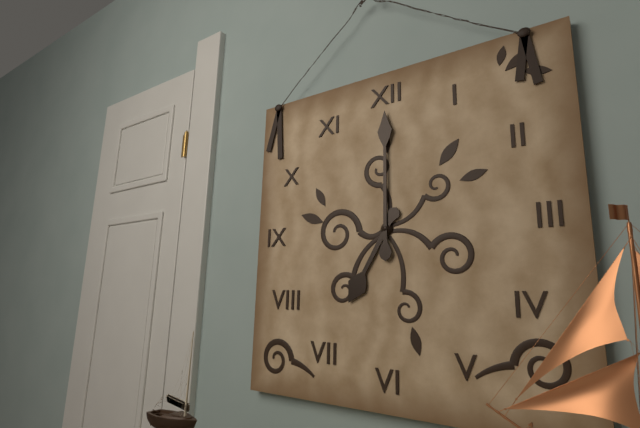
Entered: 7h00
